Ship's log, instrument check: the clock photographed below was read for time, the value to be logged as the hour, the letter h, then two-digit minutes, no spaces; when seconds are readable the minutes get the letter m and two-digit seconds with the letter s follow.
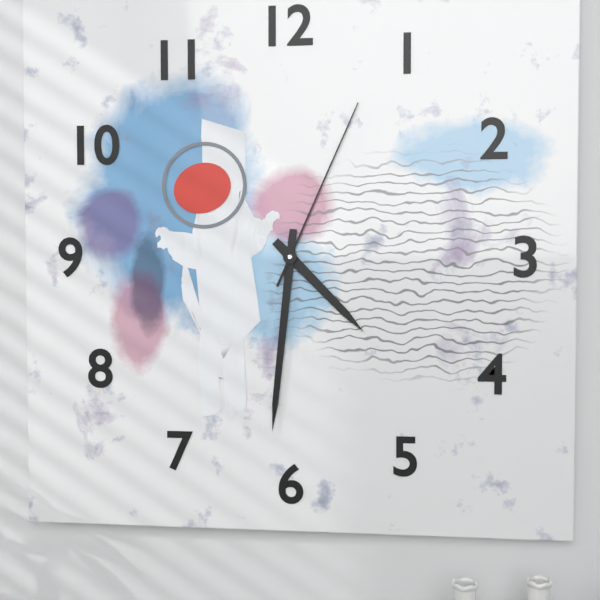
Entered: 4h31m04s
